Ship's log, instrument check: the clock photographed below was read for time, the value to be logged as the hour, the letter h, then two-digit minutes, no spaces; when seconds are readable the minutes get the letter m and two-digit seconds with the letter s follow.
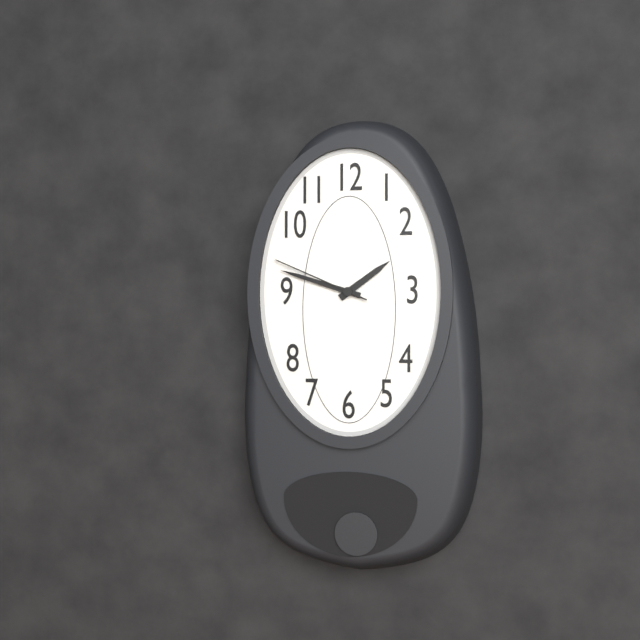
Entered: 1h48m49s
